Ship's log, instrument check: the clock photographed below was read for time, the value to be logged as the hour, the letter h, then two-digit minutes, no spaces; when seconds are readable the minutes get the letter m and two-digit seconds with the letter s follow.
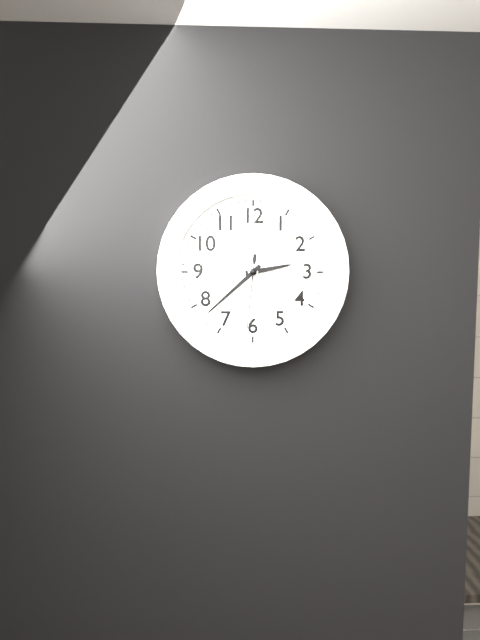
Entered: 2h38m31s
